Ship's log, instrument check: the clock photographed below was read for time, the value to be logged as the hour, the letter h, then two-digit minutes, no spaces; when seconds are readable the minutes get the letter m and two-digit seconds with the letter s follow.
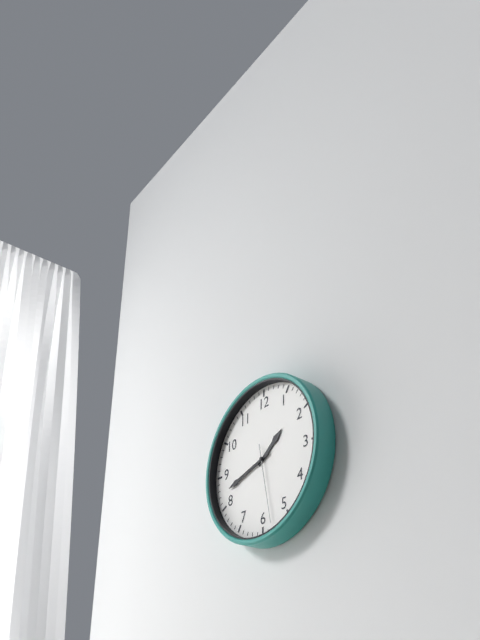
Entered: 1h42m28s
